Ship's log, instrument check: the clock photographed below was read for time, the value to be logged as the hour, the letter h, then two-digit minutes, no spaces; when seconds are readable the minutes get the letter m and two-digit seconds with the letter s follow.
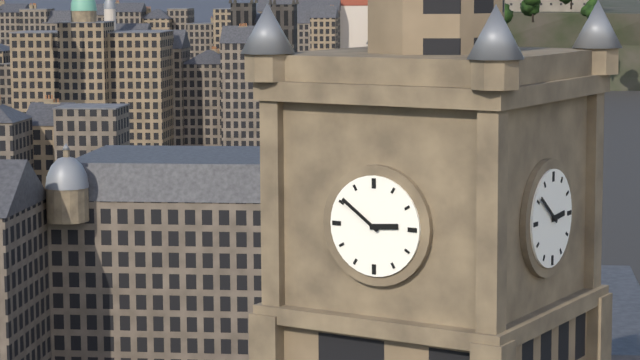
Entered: 2h51
